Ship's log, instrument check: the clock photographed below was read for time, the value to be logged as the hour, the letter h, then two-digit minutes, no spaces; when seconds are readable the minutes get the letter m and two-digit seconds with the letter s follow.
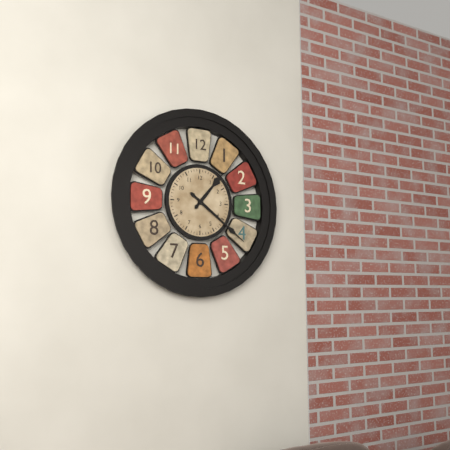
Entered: 1h21
